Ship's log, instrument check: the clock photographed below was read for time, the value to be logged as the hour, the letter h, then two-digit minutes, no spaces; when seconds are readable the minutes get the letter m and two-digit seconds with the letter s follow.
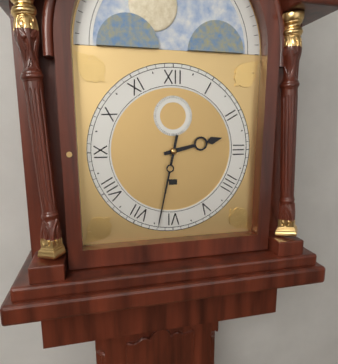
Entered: 2h32
